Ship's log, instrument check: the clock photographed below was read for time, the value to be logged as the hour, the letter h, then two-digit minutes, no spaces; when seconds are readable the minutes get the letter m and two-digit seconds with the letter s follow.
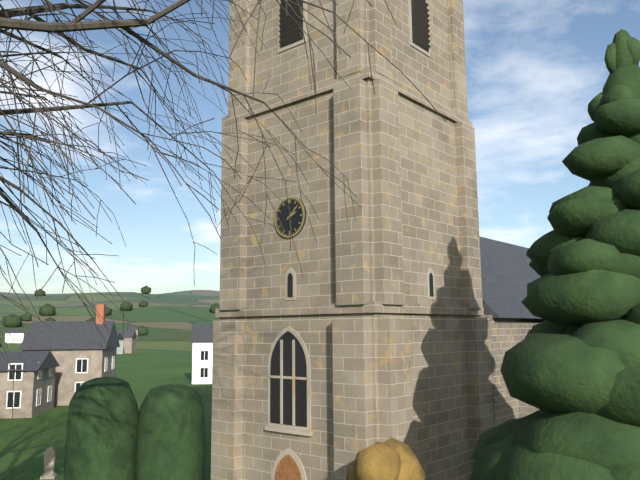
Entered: 2h08
